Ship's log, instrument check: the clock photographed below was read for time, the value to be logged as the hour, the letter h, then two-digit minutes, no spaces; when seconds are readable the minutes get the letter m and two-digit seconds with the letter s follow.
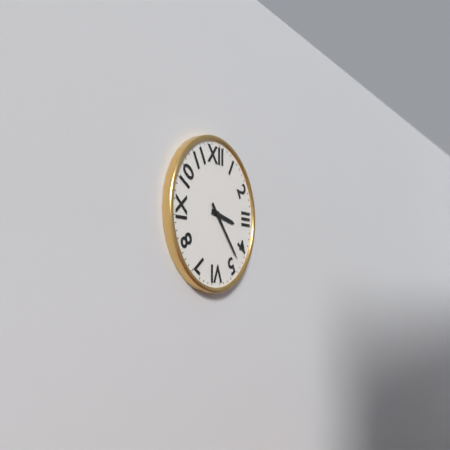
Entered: 3h23
